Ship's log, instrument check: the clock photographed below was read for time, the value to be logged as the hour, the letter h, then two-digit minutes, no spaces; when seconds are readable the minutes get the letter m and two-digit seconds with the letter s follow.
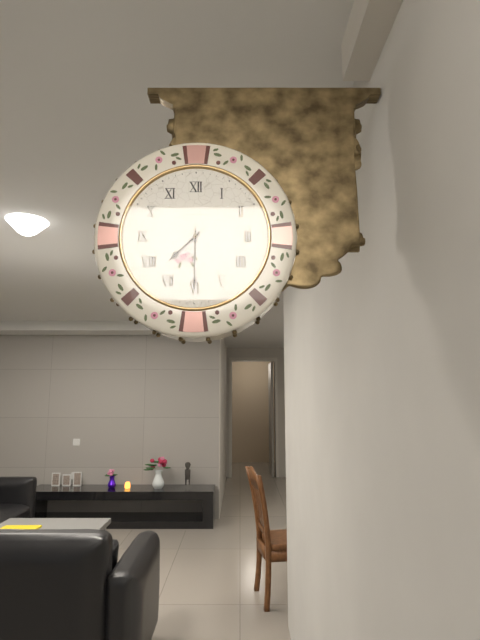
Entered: 7h30
